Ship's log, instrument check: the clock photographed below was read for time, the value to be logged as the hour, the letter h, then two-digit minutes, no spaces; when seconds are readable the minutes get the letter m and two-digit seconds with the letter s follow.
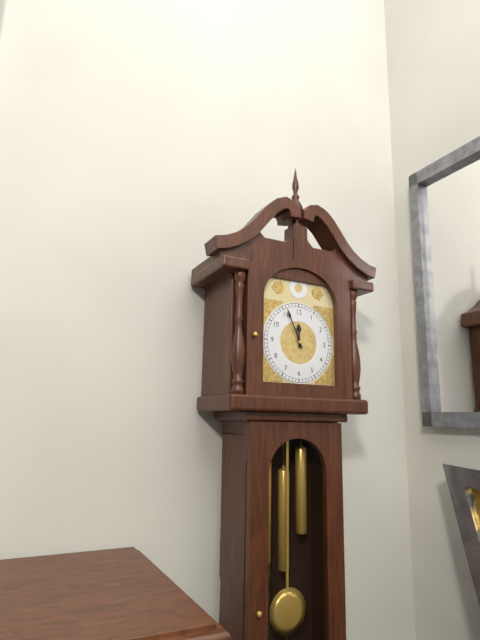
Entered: 11h56
